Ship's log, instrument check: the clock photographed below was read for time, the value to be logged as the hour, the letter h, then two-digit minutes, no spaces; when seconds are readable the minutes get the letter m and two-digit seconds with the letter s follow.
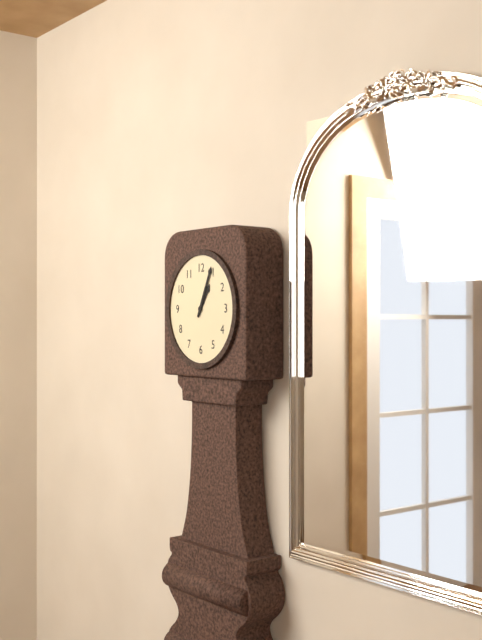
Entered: 1h04
